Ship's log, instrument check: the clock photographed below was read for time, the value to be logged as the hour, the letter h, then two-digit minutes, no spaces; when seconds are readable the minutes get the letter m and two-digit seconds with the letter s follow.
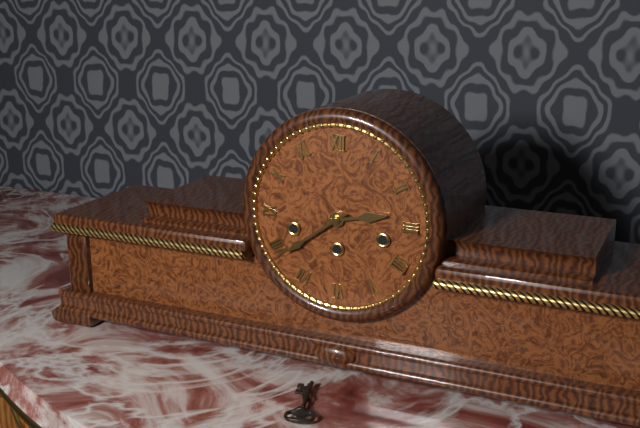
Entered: 2h39
